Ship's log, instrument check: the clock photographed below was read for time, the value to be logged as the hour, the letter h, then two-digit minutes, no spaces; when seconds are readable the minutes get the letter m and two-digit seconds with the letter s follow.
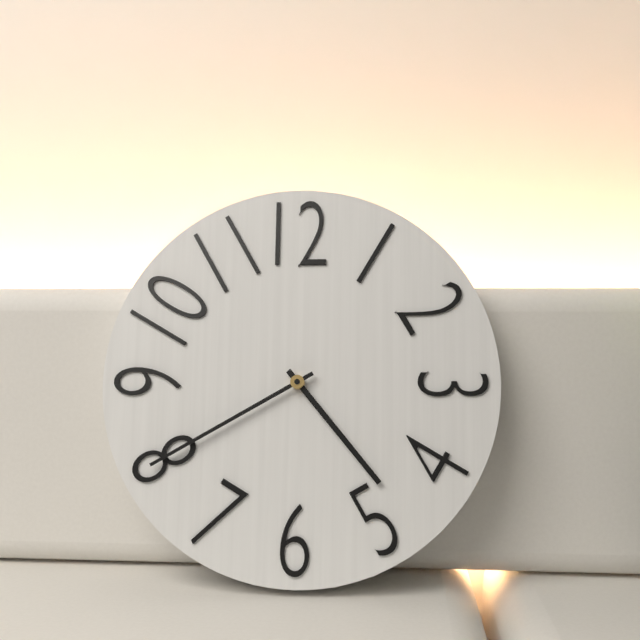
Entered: 4h40
